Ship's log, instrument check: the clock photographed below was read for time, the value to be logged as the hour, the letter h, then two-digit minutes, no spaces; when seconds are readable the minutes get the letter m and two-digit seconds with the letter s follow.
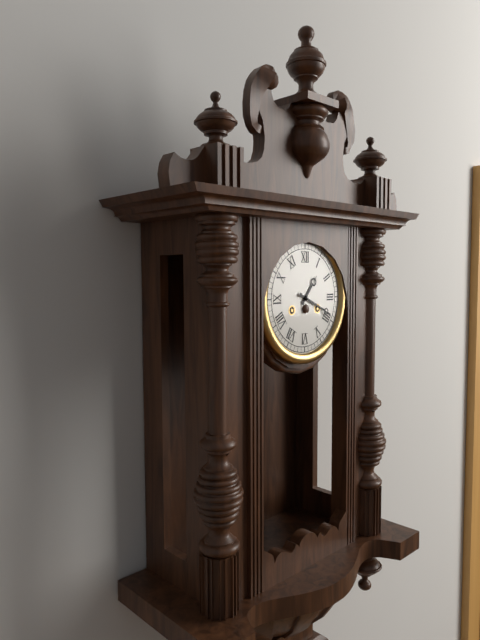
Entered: 1h19
